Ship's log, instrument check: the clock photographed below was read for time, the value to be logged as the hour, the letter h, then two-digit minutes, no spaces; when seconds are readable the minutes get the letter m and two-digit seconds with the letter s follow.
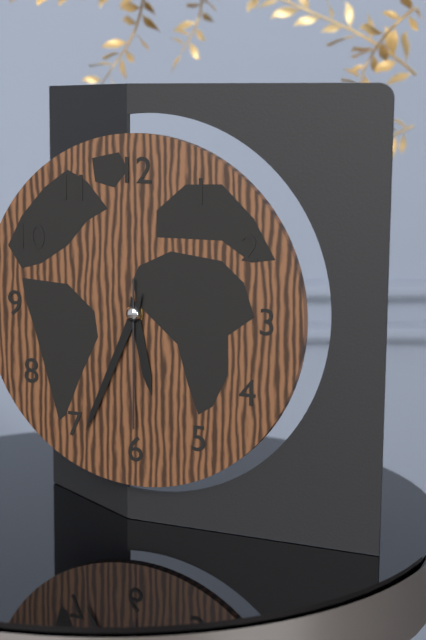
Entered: 5h34m30s
